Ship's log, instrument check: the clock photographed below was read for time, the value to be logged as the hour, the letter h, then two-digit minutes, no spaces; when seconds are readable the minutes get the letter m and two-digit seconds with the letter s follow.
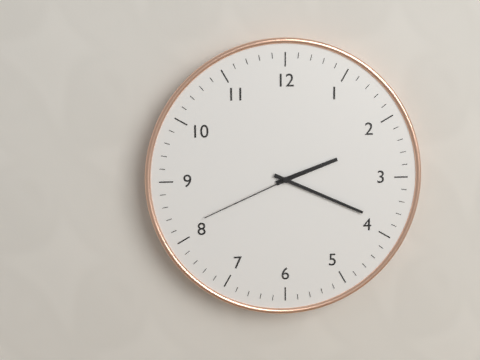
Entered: 2h19m41s
